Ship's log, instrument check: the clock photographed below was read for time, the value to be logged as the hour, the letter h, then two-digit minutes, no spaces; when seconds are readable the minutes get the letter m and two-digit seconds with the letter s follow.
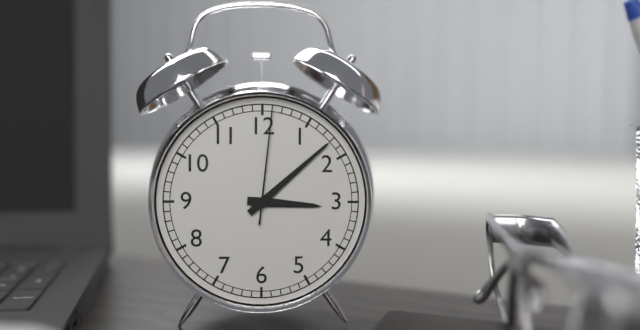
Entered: 3h08m01s
